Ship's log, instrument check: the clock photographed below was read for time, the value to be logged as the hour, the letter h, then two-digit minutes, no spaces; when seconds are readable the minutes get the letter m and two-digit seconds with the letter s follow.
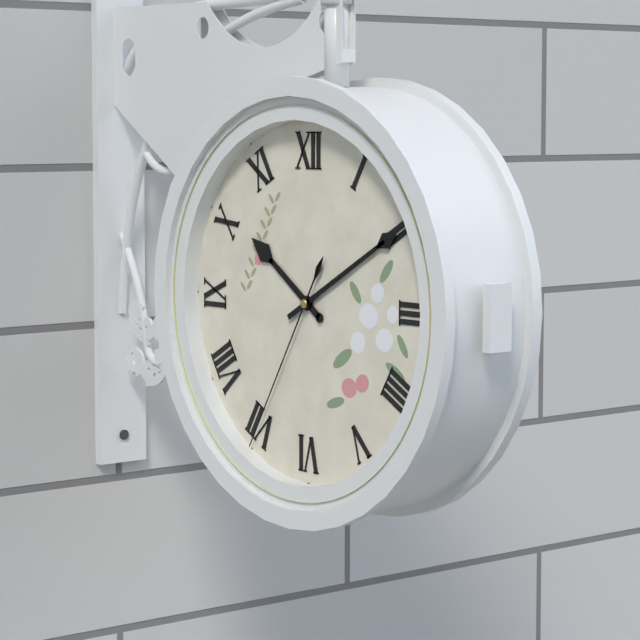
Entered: 10h10m35s
